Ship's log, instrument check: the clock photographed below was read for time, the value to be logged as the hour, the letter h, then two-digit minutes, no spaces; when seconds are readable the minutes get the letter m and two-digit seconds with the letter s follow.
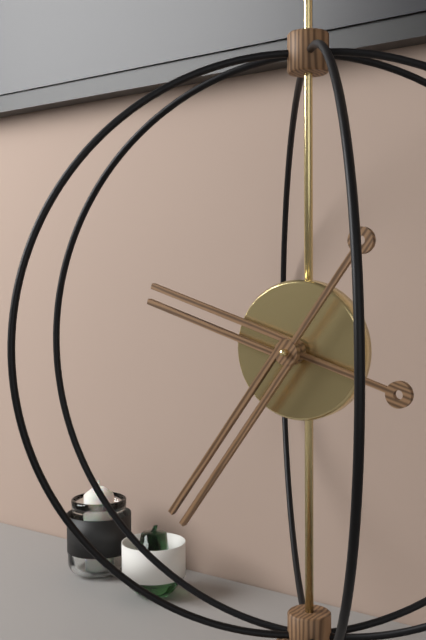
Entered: 9h36
